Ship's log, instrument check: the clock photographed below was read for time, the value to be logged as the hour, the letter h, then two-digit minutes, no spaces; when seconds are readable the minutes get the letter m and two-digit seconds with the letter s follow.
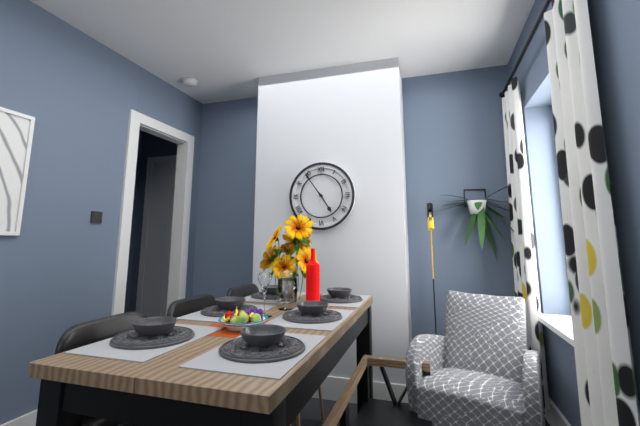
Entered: 4h54
